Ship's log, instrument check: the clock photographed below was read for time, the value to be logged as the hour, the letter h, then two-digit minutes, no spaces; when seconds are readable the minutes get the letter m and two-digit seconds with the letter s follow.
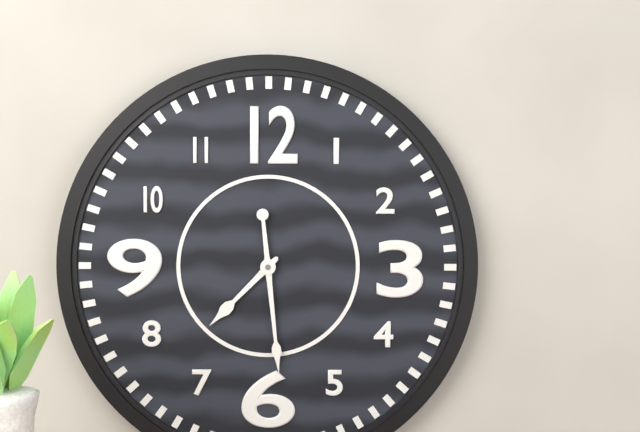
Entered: 7h29
